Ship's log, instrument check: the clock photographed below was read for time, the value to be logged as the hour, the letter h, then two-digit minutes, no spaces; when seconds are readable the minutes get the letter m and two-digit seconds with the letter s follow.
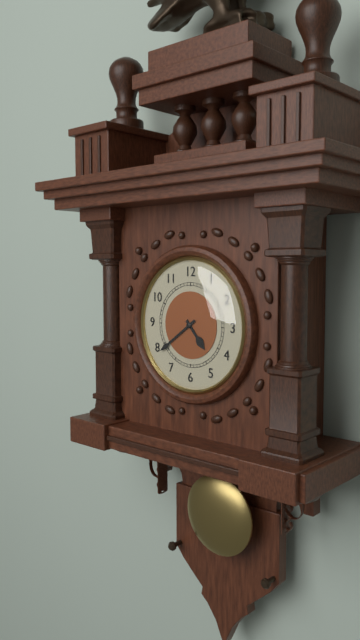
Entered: 4h39
